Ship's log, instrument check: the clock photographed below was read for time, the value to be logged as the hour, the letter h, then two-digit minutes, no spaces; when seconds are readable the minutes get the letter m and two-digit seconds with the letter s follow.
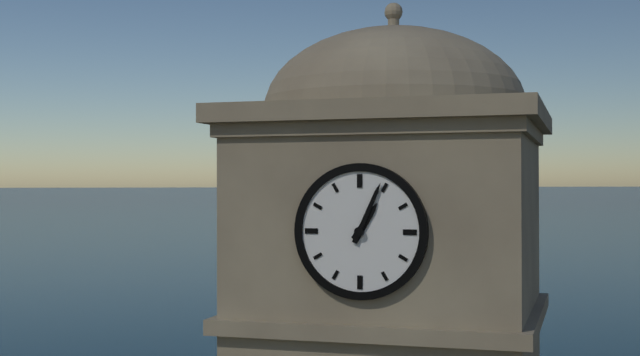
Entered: 1h04
